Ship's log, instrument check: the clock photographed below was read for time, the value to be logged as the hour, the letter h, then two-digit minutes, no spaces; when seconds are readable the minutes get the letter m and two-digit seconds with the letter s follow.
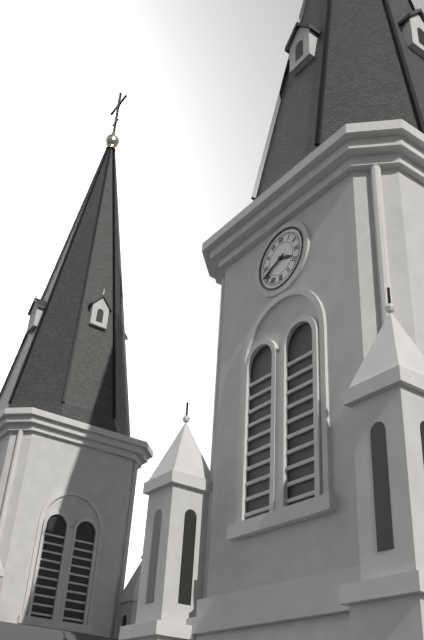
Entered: 3h41
